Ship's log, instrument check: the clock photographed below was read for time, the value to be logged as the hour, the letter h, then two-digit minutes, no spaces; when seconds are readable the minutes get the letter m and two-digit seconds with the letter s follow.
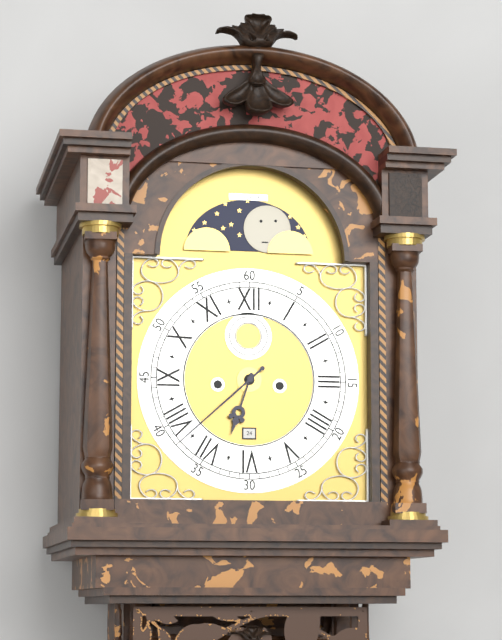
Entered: 6h38
